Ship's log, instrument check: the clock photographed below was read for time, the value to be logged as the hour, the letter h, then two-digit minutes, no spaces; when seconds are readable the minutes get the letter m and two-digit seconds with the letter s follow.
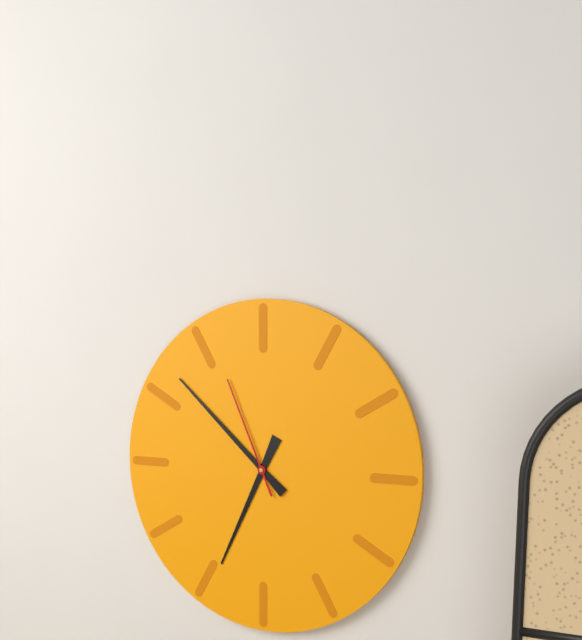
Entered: 6h52m56s
